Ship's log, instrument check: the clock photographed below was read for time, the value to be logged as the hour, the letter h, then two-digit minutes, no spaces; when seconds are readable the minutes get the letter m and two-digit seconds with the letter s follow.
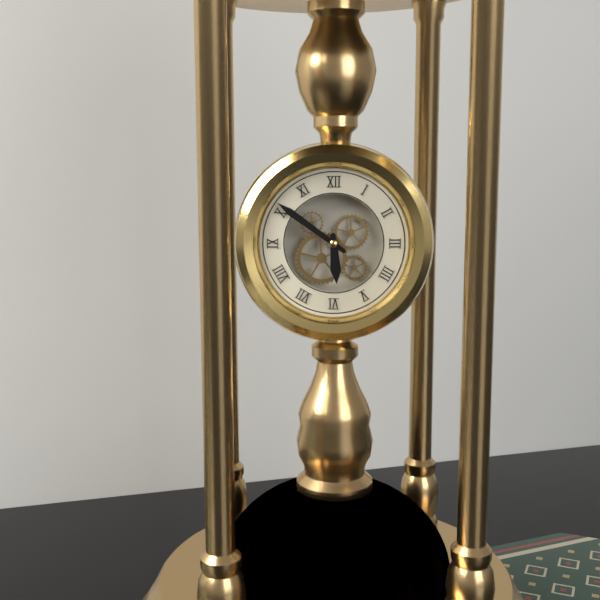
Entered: 5h51
